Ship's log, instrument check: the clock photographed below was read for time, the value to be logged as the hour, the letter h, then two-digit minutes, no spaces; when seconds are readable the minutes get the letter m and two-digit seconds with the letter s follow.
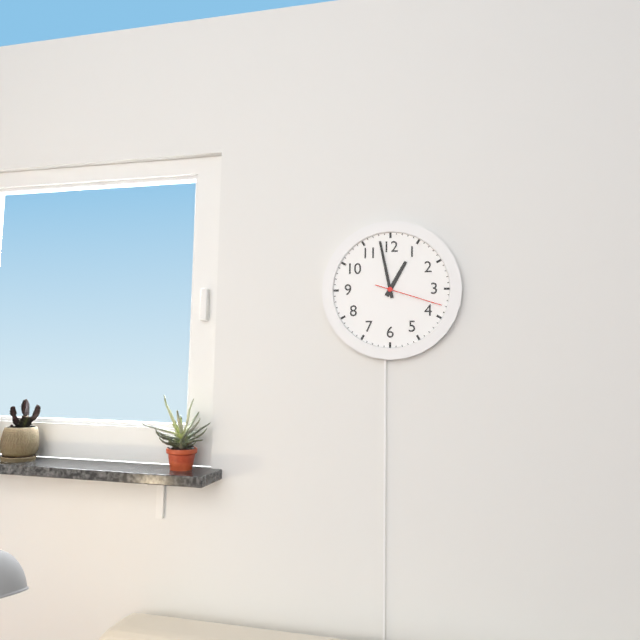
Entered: 12h58m18s
